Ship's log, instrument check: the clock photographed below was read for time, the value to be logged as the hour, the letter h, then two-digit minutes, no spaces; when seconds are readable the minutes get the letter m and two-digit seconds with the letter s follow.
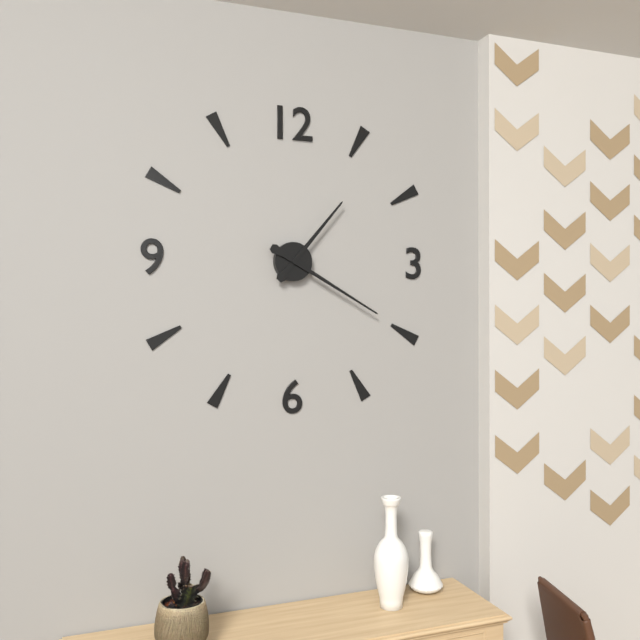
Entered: 1h20
